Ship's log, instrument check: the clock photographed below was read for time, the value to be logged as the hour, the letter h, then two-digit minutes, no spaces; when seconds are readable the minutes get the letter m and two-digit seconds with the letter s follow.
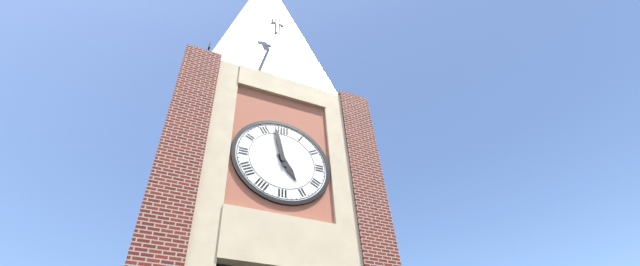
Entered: 4h58
